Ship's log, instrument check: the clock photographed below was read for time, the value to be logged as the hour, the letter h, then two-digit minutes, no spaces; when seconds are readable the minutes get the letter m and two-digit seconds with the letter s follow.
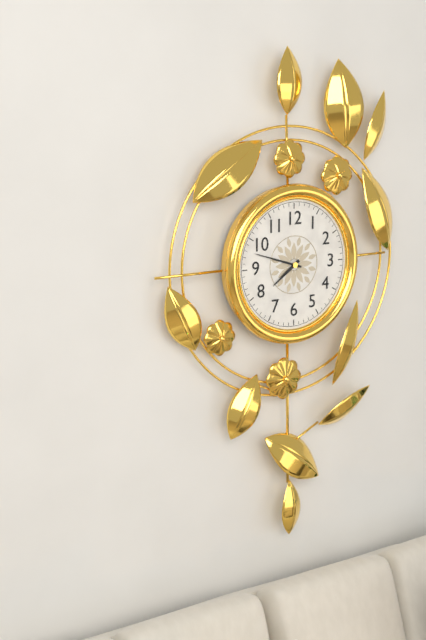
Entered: 7h48
